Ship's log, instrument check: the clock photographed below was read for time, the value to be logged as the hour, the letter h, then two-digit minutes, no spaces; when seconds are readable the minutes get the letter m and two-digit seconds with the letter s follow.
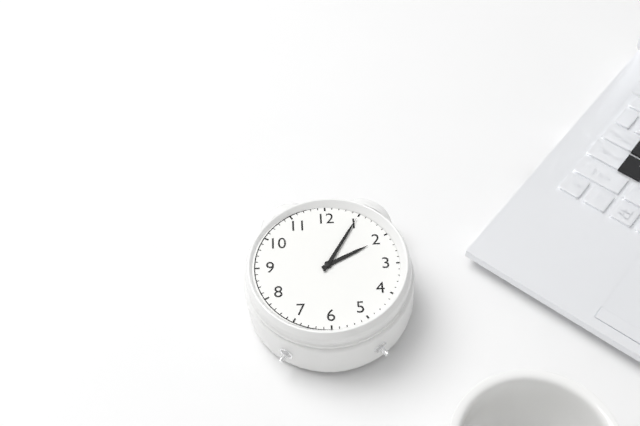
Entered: 2h05
